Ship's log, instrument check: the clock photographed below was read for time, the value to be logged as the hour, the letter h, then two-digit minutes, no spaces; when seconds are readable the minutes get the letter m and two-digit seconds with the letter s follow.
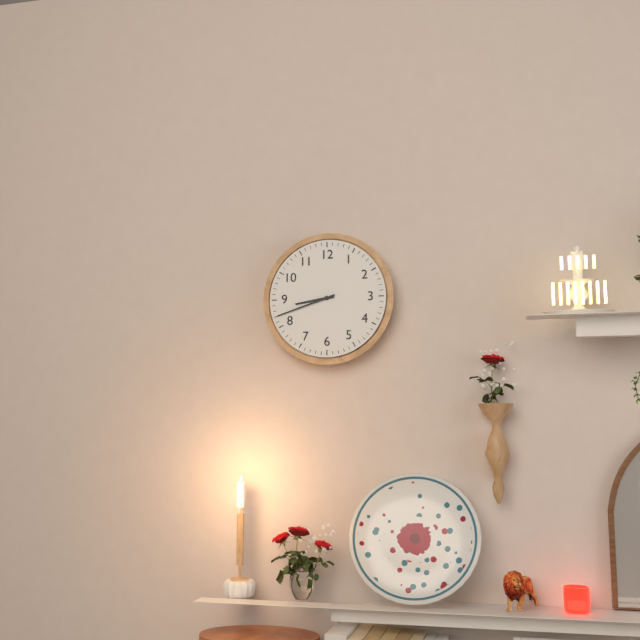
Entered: 8h42
